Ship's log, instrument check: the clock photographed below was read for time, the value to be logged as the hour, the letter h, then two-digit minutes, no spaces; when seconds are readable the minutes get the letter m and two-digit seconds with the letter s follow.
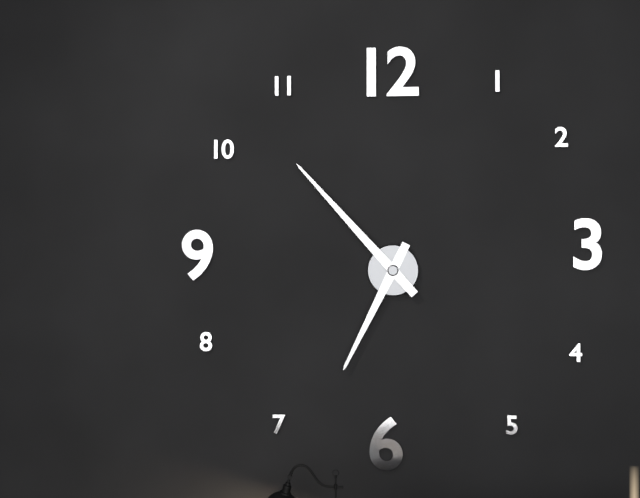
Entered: 6h53
